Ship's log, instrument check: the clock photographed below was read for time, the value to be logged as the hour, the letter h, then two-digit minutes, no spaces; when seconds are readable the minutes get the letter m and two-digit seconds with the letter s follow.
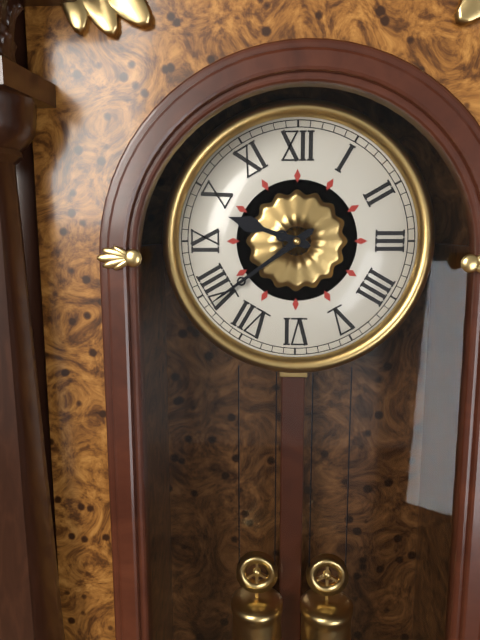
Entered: 9h39
